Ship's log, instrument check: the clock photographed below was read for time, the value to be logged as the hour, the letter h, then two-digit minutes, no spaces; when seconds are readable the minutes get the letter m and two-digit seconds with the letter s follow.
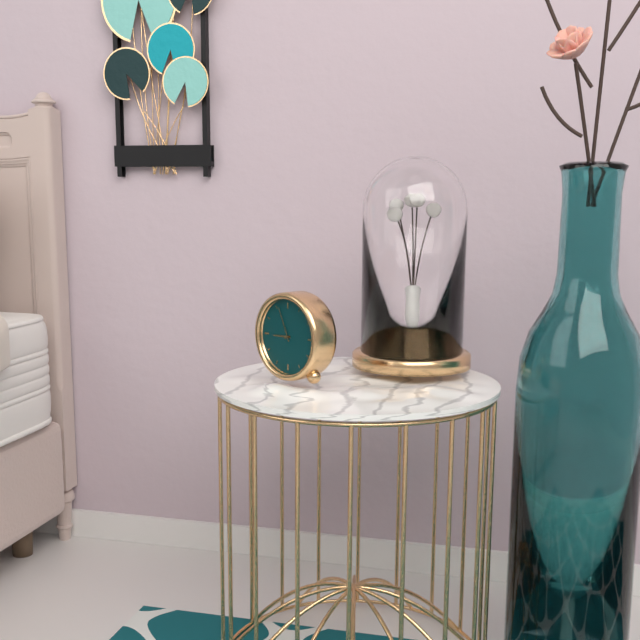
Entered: 8h56
